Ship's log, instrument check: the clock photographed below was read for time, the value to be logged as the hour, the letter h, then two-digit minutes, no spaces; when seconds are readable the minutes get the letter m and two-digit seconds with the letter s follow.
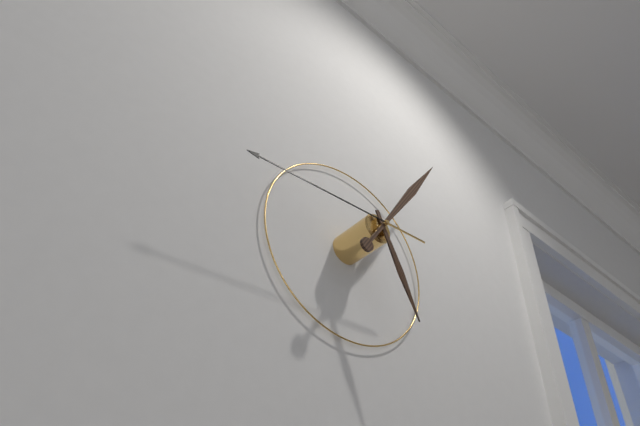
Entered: 5h05m44s
